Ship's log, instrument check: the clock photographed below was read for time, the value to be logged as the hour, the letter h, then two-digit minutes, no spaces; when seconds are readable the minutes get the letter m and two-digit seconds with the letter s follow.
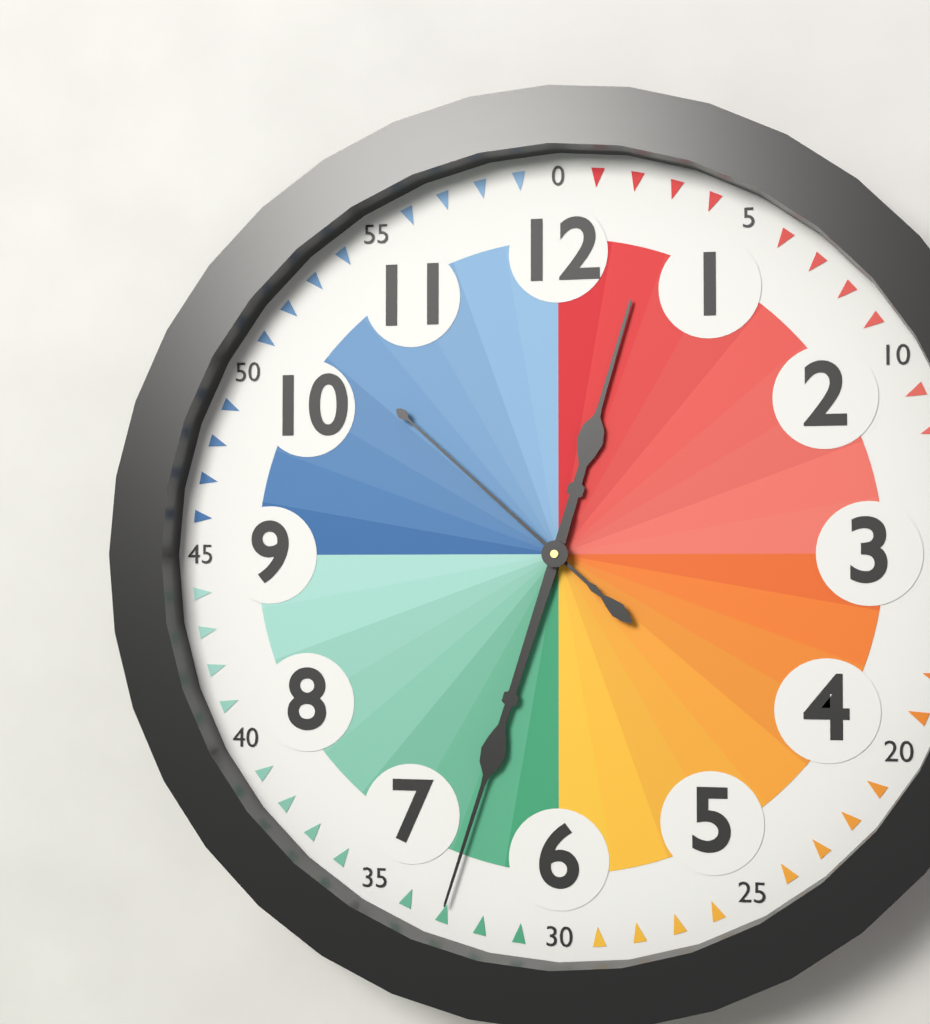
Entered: 12h33m52s
